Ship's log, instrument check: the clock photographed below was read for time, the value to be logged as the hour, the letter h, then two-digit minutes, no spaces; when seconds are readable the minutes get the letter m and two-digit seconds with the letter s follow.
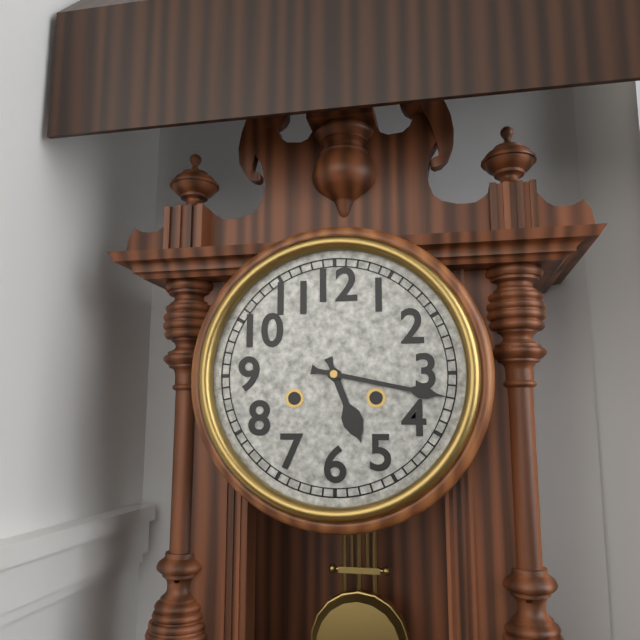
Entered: 5h17
